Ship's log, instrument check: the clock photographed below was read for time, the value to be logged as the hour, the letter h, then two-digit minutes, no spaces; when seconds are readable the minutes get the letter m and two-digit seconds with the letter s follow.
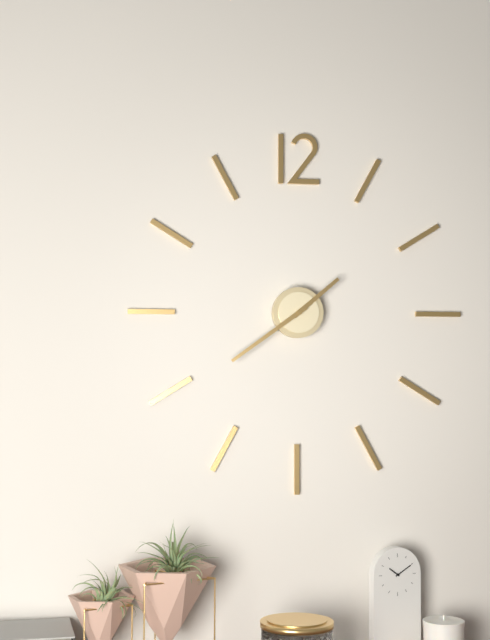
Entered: 1h39
